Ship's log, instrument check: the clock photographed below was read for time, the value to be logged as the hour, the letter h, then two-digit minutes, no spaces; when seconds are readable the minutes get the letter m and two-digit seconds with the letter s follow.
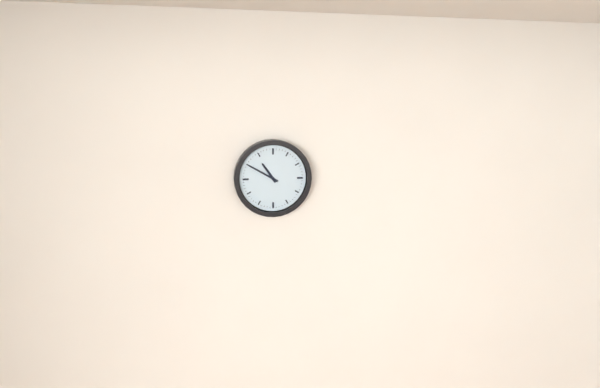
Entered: 10h50
